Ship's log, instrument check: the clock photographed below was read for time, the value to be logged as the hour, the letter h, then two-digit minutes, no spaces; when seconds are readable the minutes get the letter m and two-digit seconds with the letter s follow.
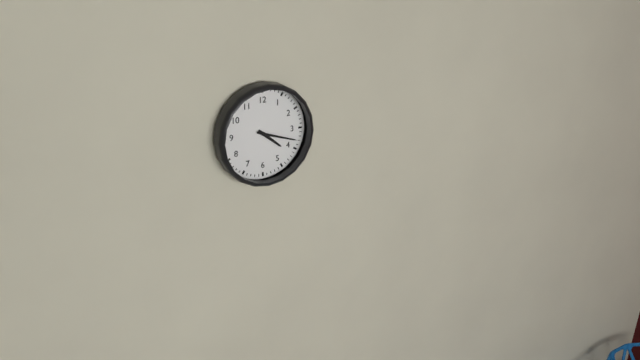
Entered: 4h18
